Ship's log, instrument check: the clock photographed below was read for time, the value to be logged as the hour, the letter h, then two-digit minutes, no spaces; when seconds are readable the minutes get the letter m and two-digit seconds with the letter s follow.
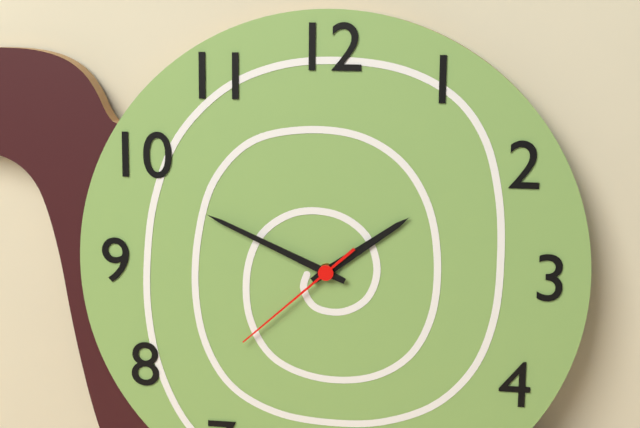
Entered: 1h49m38s
